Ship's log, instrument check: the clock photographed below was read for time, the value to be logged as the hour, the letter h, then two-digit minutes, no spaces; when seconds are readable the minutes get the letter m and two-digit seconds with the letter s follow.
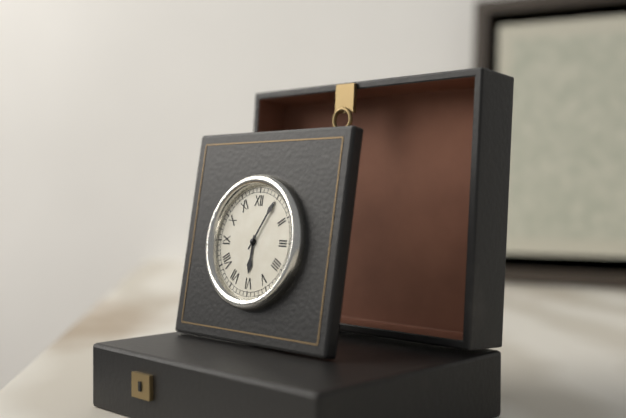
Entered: 6h05
